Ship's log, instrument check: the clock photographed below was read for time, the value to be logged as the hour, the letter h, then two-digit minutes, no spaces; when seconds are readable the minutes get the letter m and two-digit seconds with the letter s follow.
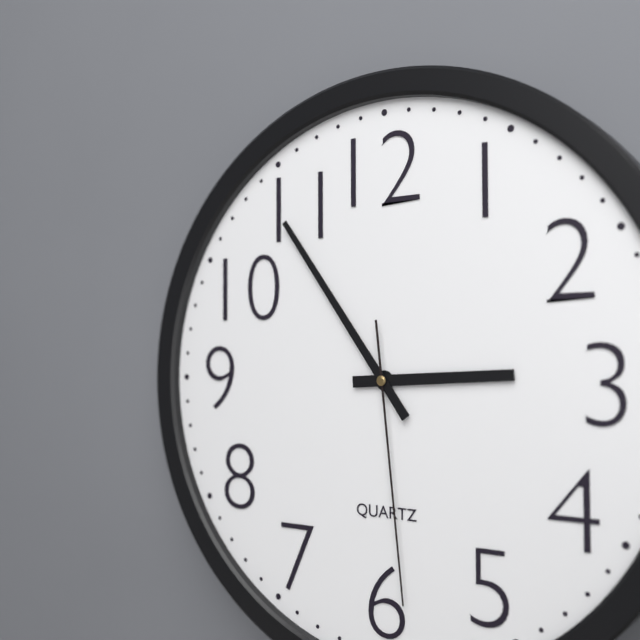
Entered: 2h54m29s
